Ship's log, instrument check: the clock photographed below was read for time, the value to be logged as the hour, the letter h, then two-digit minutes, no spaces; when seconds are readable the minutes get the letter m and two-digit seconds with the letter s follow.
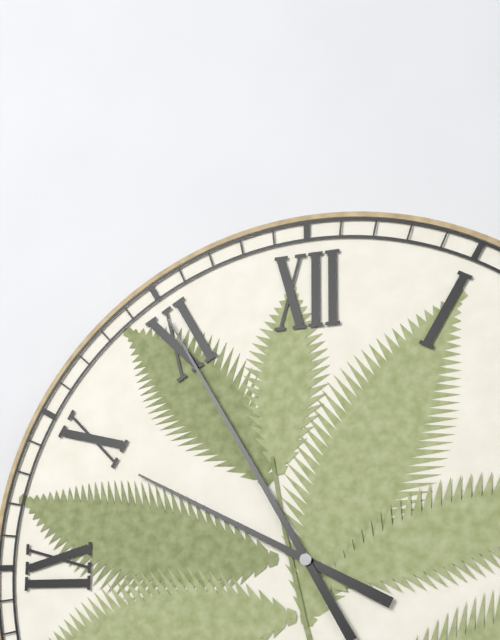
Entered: 9h55
